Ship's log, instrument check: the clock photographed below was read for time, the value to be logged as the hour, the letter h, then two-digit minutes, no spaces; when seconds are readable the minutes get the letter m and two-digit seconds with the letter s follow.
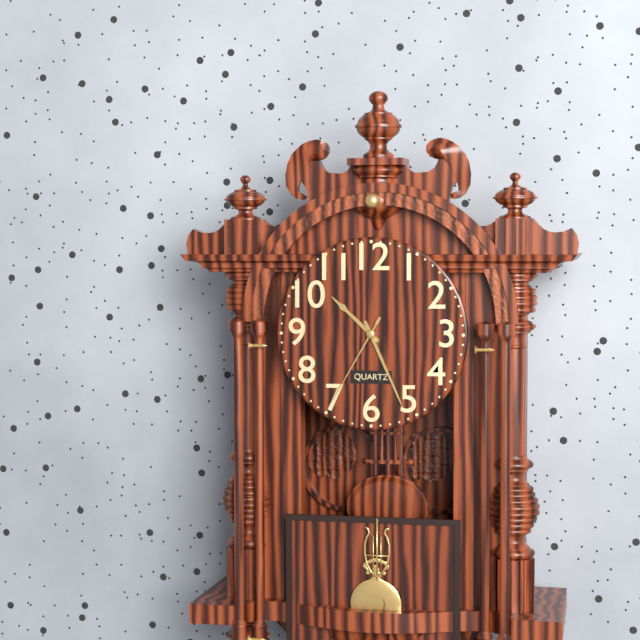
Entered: 10h26m35s
